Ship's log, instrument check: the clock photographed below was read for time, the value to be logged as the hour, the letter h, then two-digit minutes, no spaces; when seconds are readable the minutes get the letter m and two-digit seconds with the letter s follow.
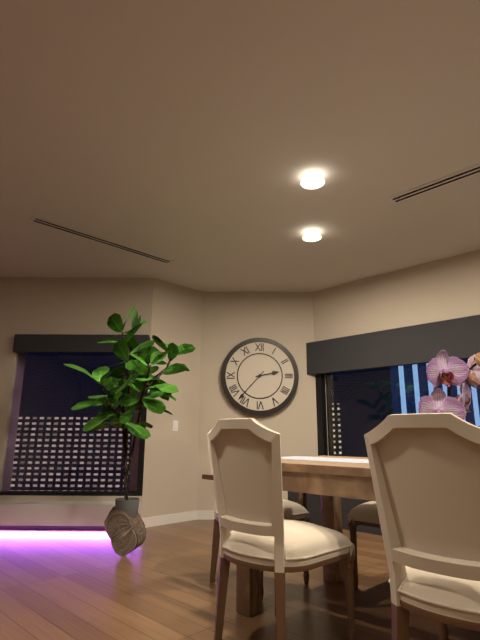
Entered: 2h37
